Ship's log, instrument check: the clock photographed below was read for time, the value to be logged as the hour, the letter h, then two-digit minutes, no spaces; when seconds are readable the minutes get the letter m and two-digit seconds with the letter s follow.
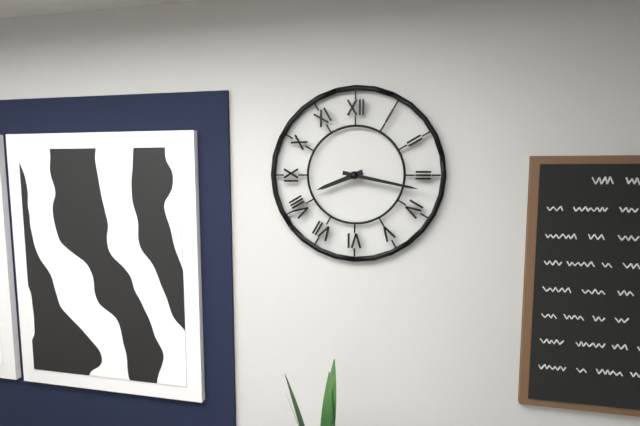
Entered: 8h17
